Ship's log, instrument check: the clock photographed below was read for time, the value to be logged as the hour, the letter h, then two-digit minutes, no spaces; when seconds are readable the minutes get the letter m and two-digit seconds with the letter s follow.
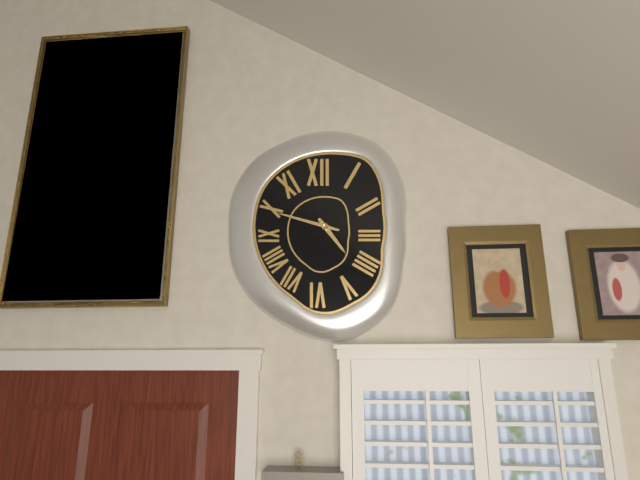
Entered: 4h48
